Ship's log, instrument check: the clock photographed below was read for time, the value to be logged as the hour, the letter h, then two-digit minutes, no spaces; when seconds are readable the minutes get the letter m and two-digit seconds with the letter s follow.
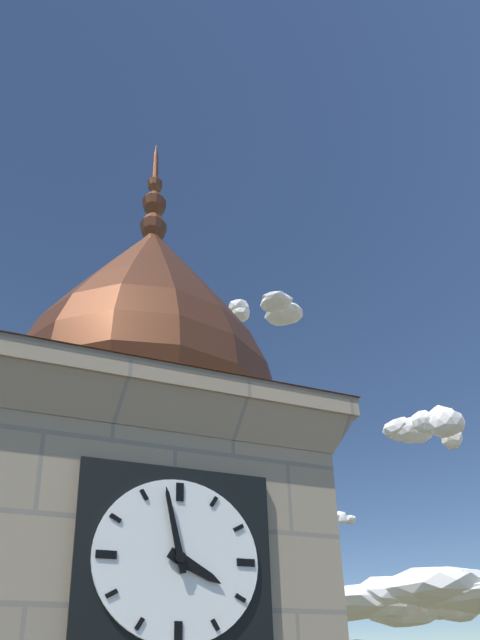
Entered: 3h58
